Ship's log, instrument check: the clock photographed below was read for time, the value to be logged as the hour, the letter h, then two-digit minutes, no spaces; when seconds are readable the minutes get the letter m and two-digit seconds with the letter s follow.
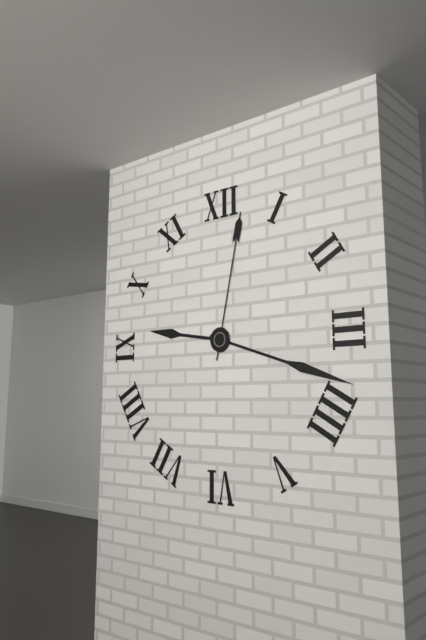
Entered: 9h18m02s
